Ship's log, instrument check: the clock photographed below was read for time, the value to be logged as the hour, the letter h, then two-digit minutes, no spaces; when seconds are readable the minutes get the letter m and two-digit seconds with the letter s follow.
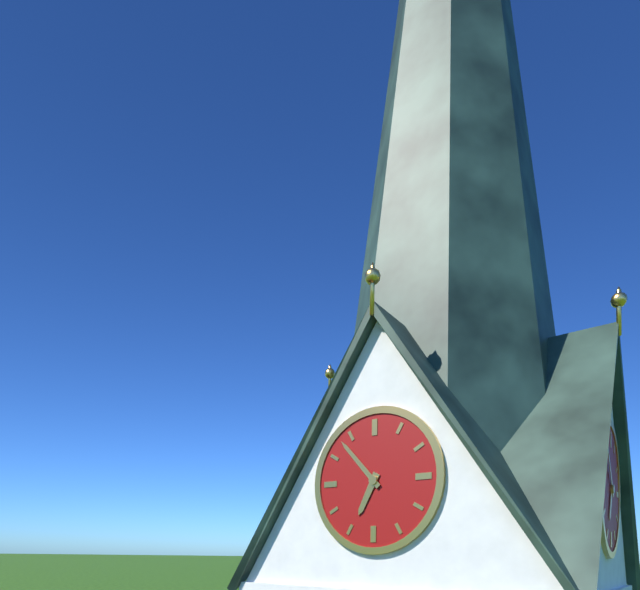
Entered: 6h53
